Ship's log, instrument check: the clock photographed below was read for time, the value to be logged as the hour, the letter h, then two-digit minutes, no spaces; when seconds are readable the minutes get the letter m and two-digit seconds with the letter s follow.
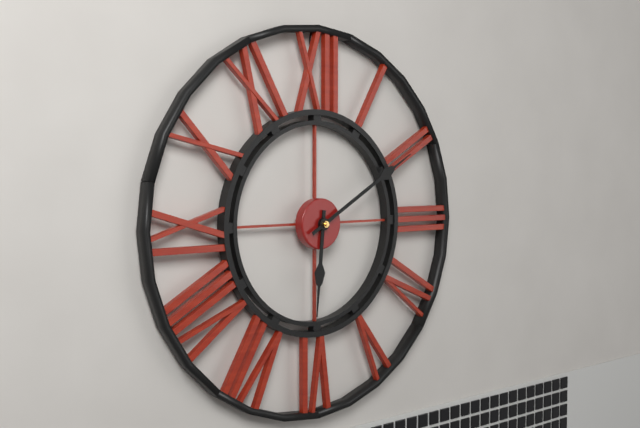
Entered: 6h10
